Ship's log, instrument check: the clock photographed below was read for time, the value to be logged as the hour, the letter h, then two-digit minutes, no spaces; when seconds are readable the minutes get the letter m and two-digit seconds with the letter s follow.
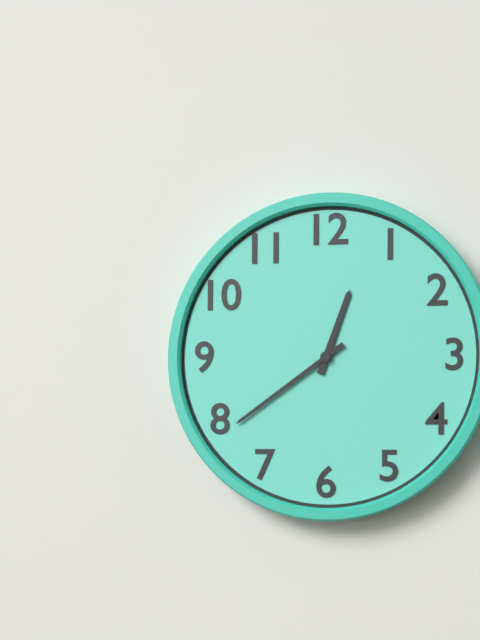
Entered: 12h39
